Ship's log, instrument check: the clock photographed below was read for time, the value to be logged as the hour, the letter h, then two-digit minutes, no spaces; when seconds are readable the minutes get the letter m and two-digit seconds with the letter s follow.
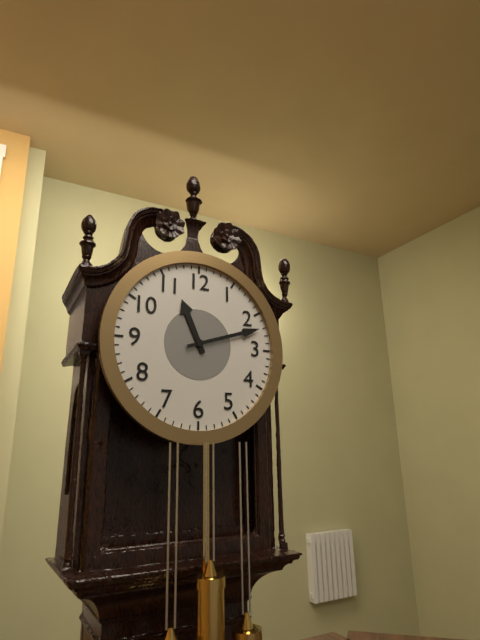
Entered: 11h12
